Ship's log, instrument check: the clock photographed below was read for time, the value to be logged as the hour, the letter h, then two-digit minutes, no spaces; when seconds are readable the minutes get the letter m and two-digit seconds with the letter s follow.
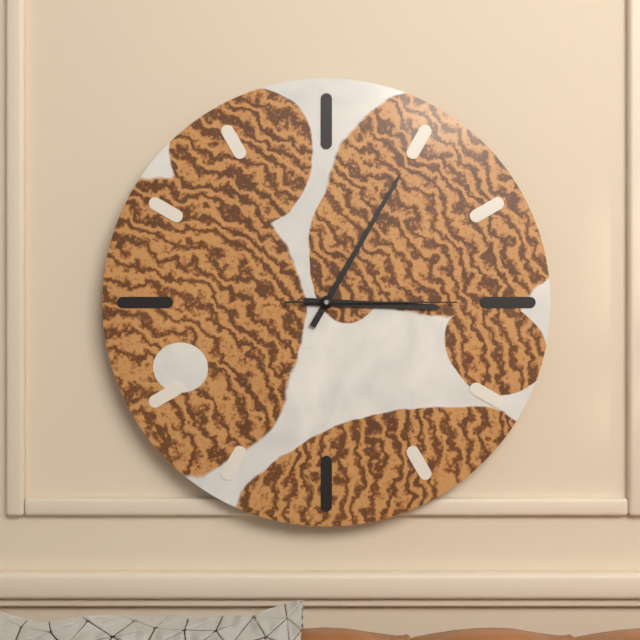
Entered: 3h05m15s
